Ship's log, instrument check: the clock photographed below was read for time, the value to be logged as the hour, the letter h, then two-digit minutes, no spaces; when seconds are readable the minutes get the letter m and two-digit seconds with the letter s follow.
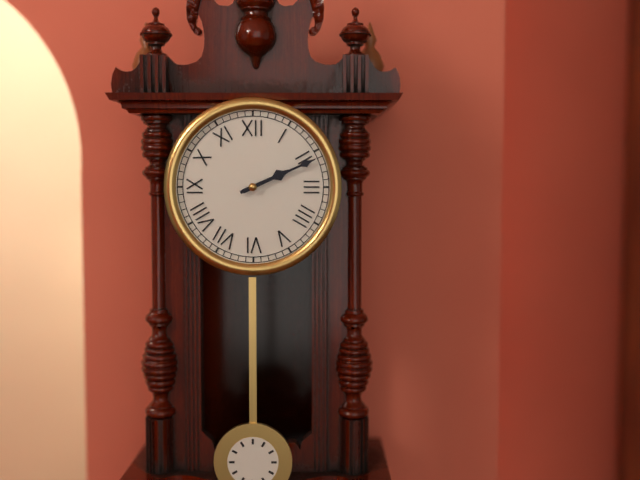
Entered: 2h11
